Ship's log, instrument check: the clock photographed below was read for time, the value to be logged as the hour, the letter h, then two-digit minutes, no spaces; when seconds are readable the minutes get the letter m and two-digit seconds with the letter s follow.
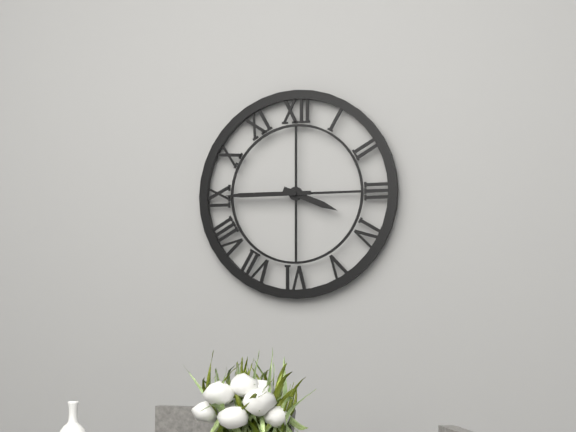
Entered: 3h45
